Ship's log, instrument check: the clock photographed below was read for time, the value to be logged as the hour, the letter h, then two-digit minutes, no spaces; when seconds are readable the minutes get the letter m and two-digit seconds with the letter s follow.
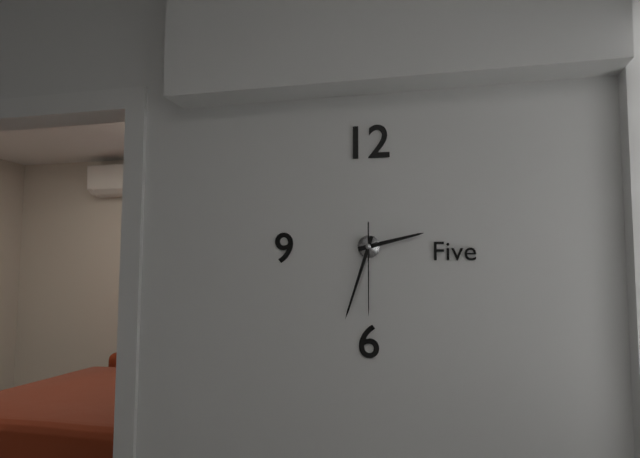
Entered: 2h33m30s
